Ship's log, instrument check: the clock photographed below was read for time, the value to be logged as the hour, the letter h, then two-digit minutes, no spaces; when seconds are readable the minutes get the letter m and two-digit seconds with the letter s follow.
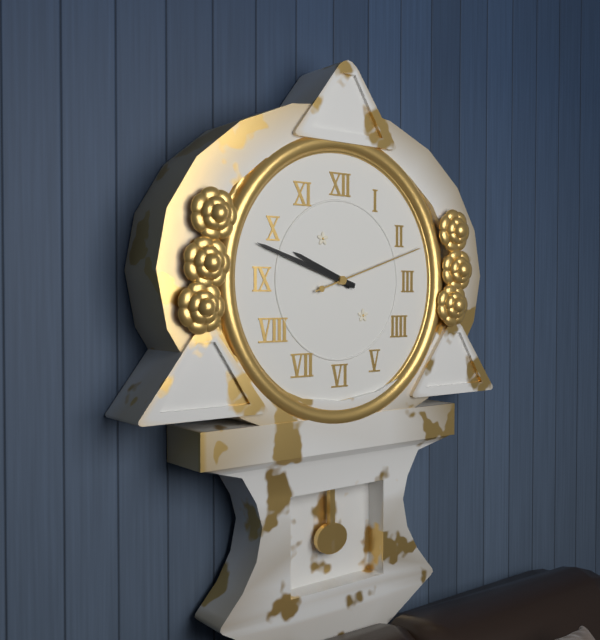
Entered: 9h48m12s
